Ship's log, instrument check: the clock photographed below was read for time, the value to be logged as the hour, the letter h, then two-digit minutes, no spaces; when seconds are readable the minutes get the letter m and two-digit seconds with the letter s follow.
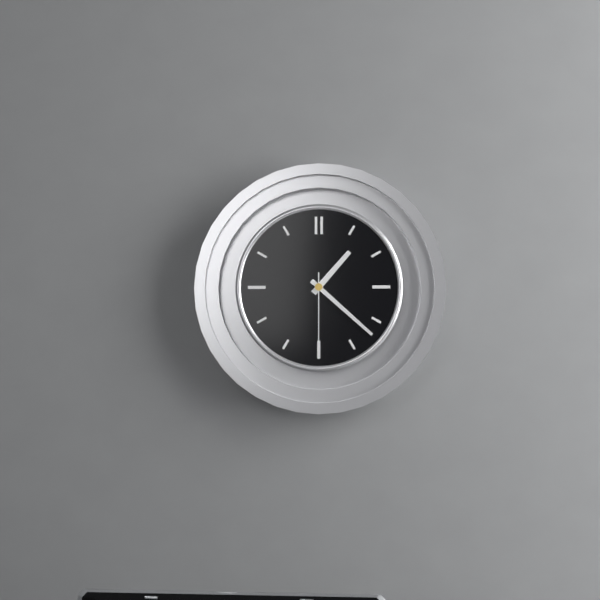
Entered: 1h22m30s
